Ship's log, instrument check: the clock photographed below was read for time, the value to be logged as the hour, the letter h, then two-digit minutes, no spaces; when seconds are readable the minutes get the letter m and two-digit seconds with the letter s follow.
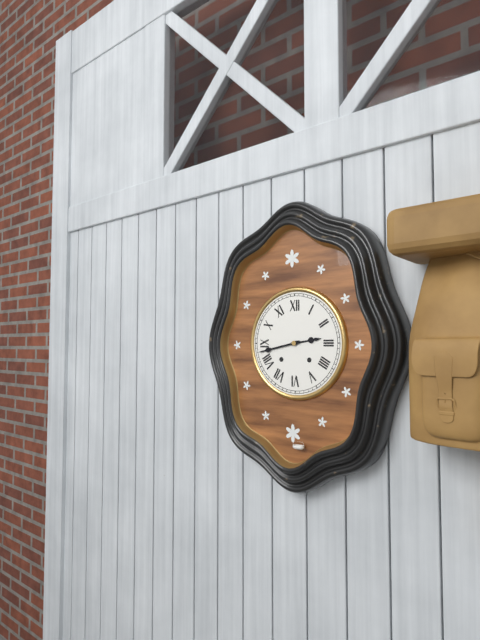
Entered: 2h43
